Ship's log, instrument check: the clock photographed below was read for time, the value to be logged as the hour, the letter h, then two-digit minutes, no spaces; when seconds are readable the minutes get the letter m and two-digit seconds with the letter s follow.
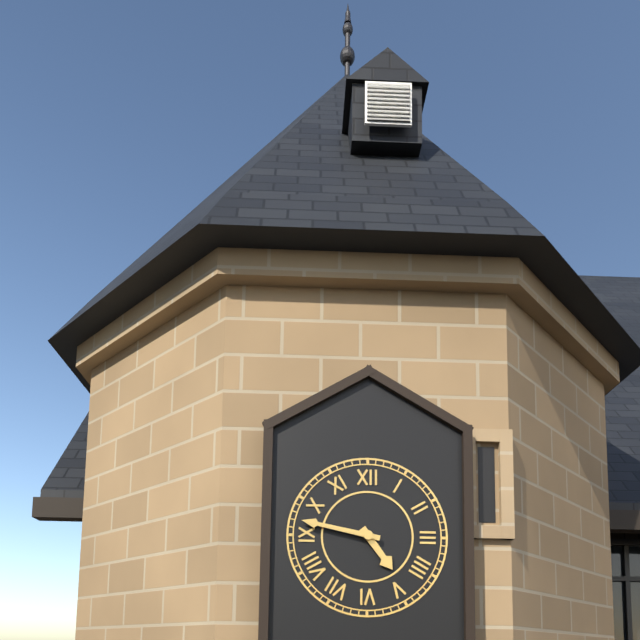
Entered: 4h47
